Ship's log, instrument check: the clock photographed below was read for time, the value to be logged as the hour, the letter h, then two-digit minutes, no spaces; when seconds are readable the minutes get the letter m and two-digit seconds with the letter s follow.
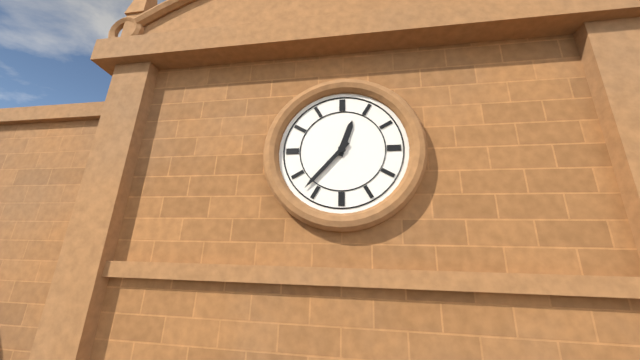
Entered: 12h37
